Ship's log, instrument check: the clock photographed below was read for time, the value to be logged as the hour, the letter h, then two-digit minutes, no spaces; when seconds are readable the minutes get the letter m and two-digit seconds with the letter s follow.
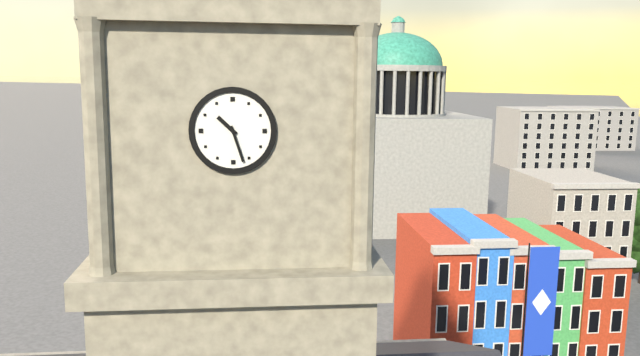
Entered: 10h27
